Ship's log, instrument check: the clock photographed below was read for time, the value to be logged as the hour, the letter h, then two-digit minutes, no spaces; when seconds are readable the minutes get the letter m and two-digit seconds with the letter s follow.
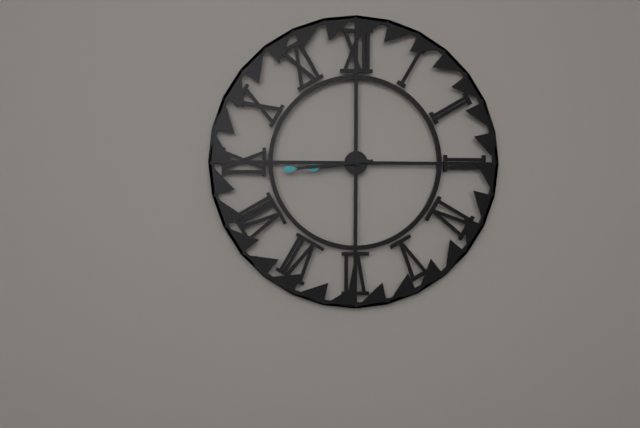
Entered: 8h44
